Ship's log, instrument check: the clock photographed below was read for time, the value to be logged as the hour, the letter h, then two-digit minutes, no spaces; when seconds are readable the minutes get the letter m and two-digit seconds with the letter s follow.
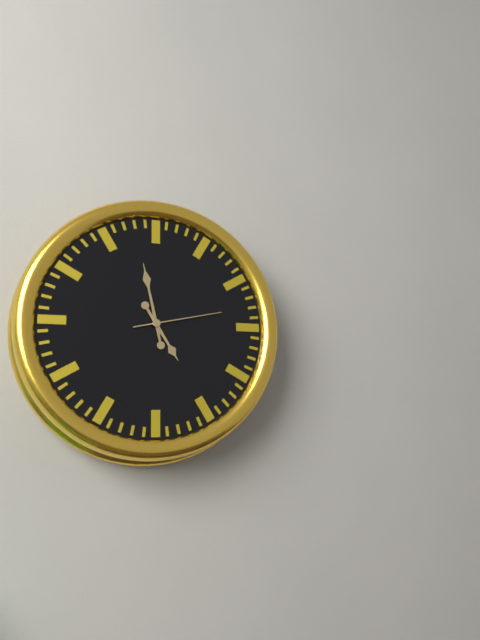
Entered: 4h58m13s
